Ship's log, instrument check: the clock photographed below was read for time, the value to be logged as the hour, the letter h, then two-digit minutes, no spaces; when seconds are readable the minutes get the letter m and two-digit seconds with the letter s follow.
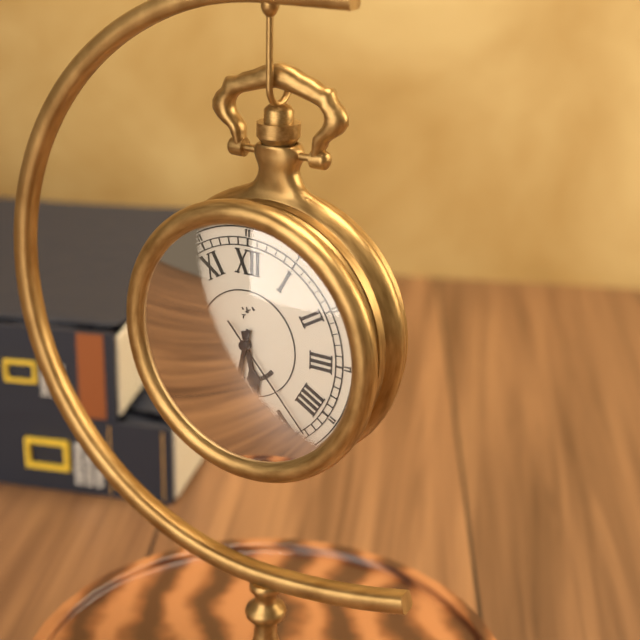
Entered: 5h32m23s
